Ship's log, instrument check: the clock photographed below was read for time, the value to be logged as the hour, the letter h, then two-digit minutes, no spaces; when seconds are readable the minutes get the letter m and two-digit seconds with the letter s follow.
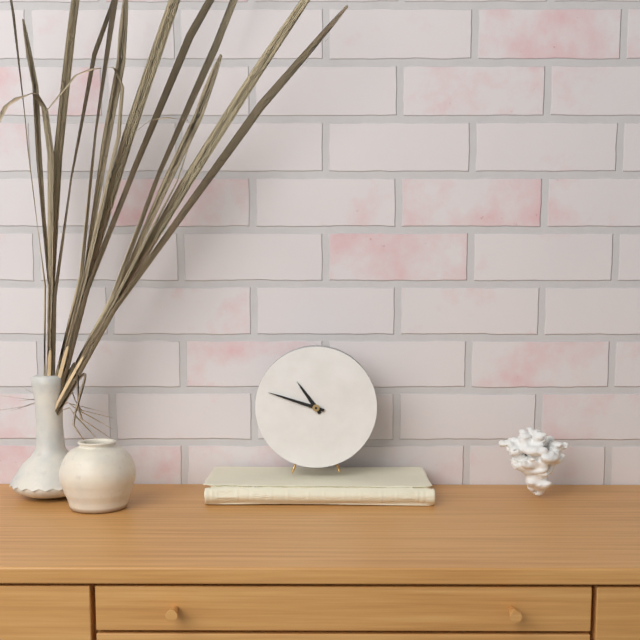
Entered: 10h48
